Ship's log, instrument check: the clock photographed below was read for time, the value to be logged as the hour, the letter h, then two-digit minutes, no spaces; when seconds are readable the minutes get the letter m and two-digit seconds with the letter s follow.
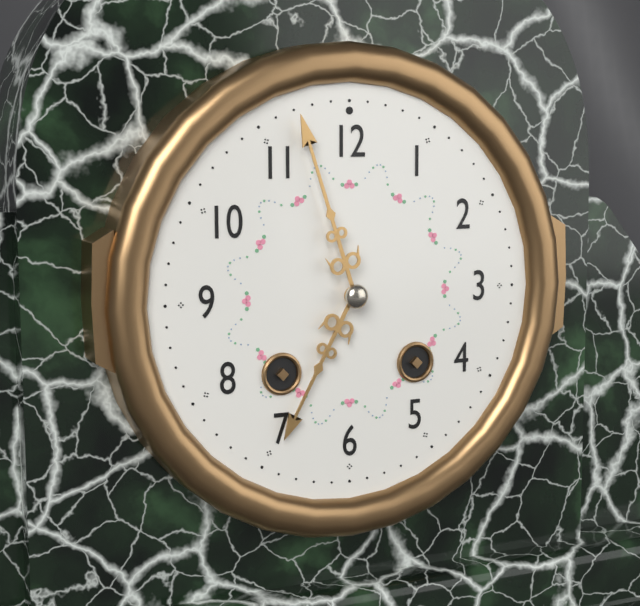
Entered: 6h57
